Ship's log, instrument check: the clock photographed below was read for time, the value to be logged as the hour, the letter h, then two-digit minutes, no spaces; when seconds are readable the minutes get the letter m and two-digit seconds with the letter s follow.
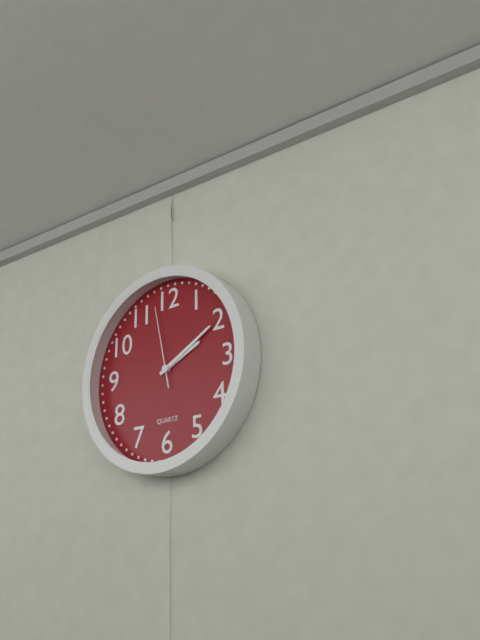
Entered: 2h10m58s
